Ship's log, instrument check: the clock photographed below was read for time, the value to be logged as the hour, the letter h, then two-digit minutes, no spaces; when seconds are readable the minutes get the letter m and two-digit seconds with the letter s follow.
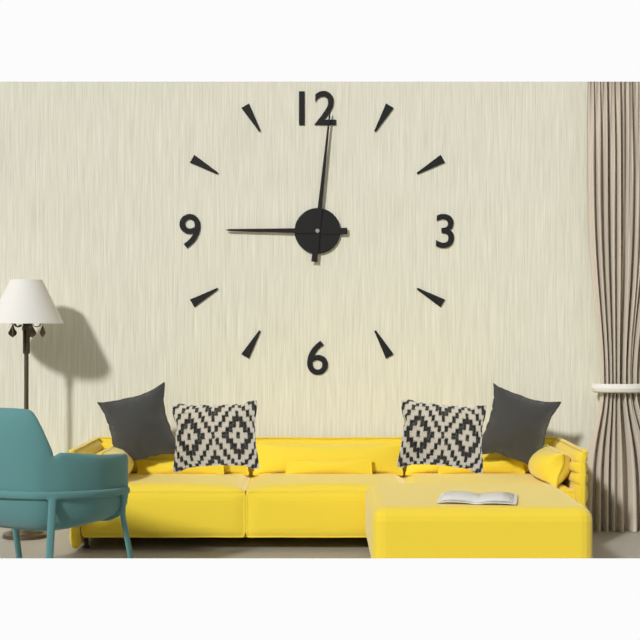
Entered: 9h01
